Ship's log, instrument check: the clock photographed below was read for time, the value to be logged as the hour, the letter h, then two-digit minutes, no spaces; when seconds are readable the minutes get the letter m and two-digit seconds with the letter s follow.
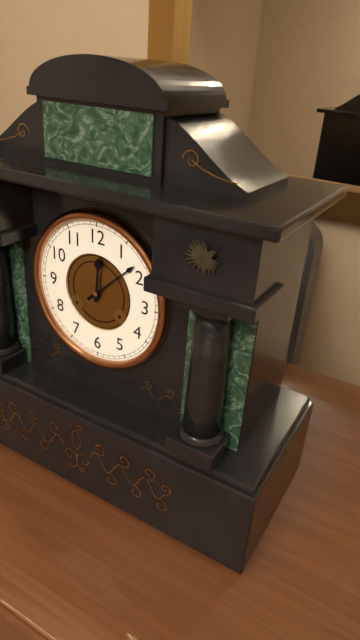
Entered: 12h08
